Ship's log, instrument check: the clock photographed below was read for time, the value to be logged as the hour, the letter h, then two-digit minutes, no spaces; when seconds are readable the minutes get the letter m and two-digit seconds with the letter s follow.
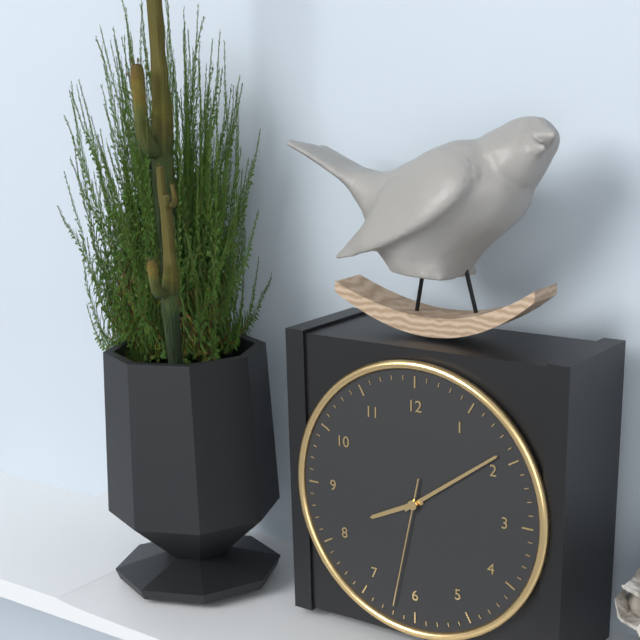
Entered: 8h09m32s
